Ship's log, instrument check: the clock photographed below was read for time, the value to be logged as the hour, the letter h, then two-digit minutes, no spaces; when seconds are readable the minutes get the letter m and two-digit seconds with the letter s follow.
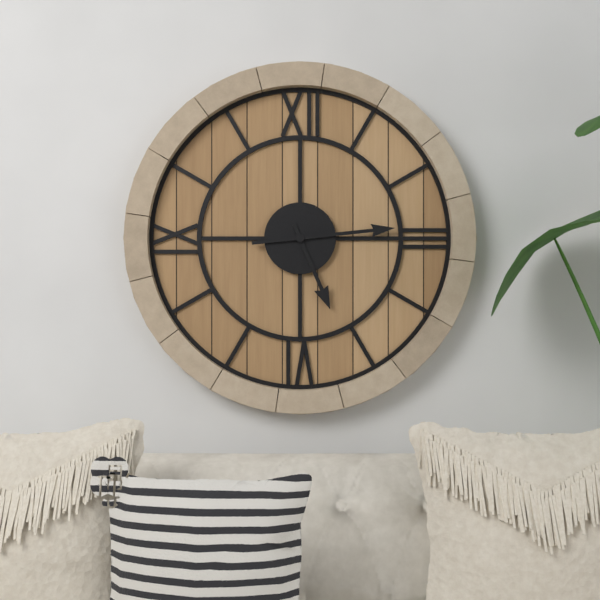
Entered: 5h14
